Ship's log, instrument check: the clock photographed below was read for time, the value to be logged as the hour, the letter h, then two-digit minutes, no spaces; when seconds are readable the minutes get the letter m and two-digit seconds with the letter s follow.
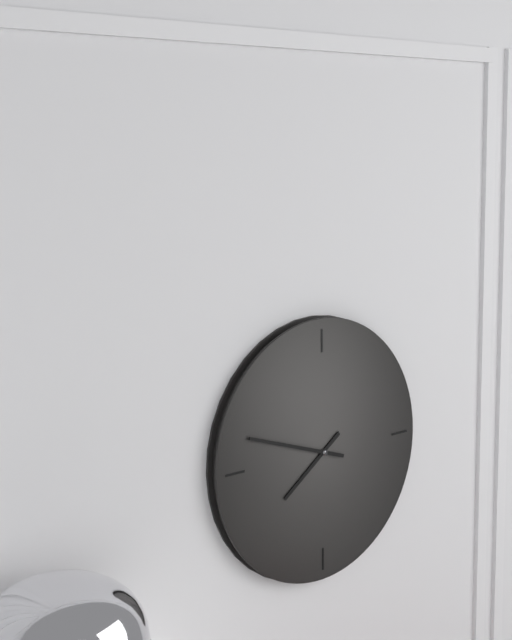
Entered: 7h48
